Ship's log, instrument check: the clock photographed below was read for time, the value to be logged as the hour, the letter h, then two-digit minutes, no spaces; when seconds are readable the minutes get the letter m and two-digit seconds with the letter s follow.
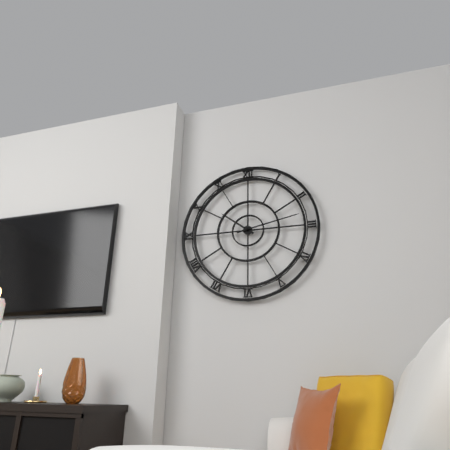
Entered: 10h13
